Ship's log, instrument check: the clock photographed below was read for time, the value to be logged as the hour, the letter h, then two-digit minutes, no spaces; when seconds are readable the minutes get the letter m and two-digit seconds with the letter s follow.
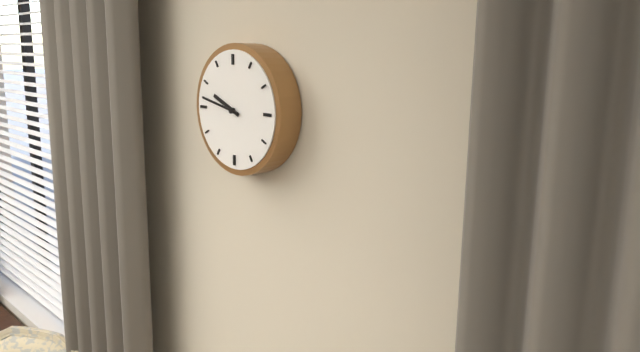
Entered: 9h47
